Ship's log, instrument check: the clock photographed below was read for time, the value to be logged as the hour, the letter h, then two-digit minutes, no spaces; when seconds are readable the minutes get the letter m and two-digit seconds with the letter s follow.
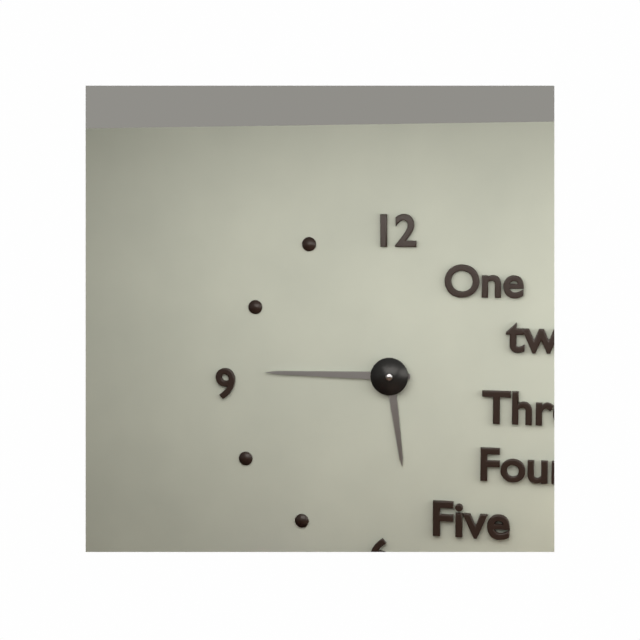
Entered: 5h45
